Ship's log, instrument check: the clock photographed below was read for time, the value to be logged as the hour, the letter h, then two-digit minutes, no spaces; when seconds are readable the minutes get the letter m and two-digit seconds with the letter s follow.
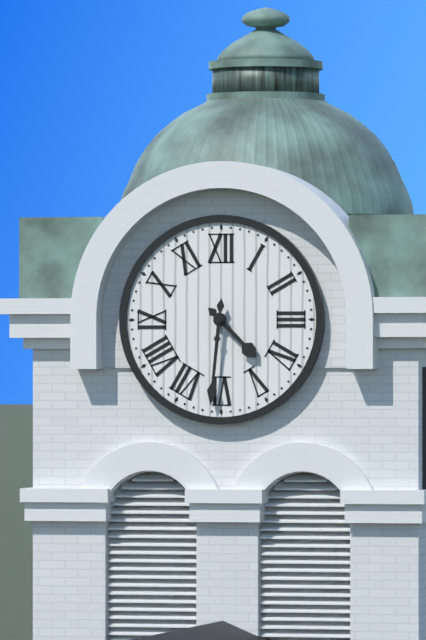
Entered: 4h31
